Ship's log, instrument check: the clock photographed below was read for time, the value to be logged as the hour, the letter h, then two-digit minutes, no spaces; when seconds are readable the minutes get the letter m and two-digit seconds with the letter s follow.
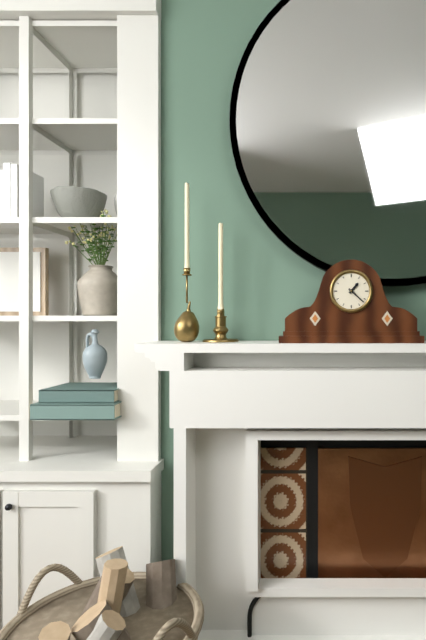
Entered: 1h22
